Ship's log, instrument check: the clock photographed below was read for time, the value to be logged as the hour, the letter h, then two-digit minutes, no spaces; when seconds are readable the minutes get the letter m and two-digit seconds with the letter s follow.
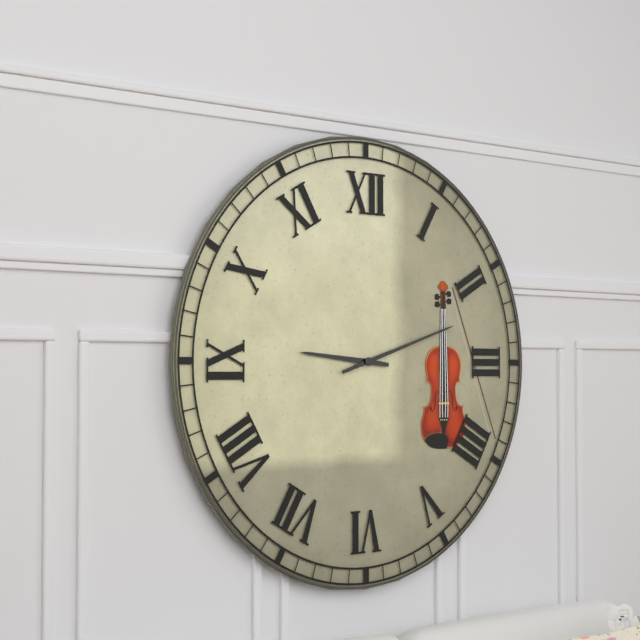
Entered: 9h12
